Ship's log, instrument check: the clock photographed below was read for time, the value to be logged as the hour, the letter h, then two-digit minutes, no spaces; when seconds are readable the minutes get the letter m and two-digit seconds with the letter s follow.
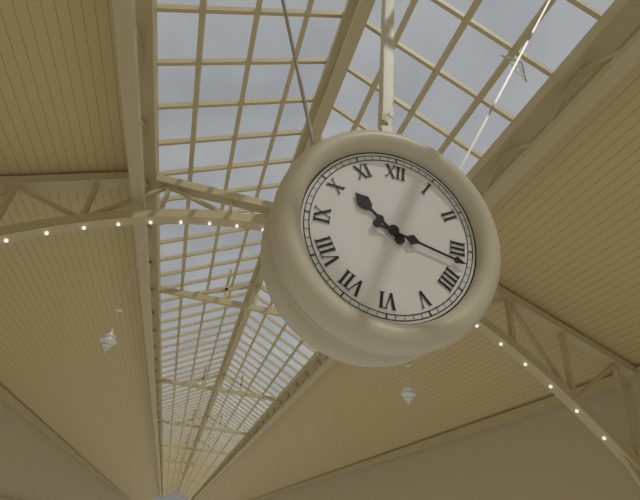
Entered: 10h17
